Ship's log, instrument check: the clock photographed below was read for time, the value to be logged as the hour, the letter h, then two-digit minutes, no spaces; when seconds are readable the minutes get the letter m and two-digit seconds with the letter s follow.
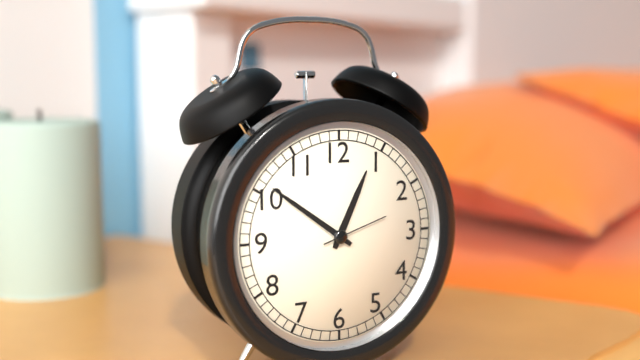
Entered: 12h51m12s
